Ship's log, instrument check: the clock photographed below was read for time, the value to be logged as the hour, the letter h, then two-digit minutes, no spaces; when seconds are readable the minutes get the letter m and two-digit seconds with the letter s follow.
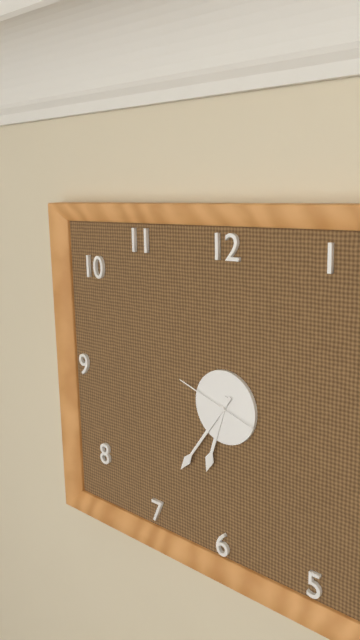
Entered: 6h36m48s
